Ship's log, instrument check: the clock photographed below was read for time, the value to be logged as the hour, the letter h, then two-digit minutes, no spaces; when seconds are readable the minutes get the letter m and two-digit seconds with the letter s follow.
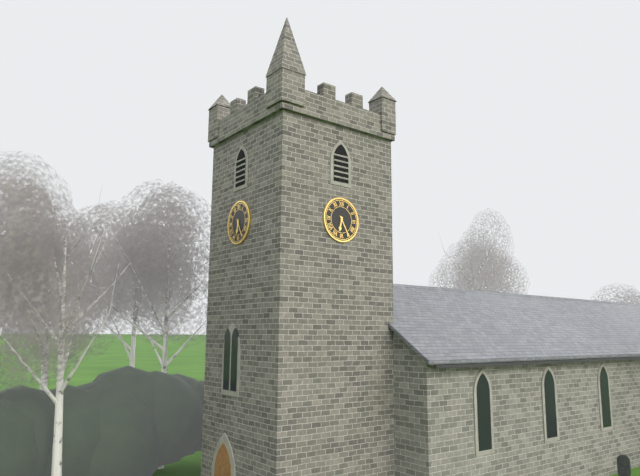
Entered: 6h25
